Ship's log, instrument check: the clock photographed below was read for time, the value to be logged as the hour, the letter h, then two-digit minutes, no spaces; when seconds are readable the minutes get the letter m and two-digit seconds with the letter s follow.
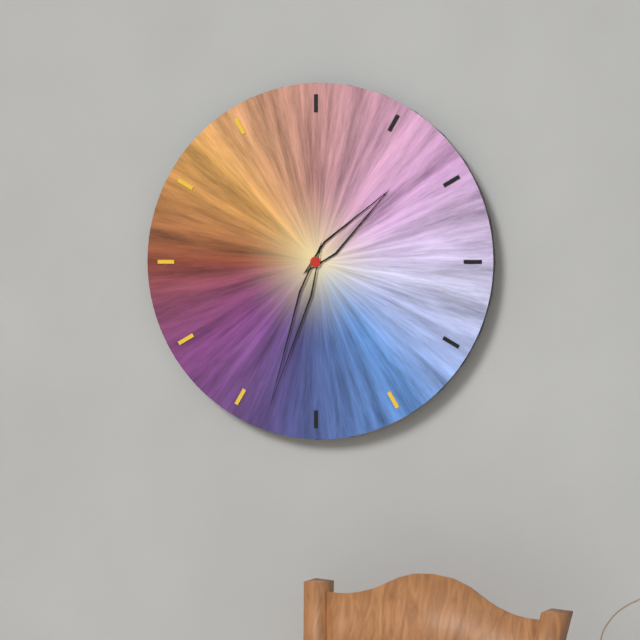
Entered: 1h33
